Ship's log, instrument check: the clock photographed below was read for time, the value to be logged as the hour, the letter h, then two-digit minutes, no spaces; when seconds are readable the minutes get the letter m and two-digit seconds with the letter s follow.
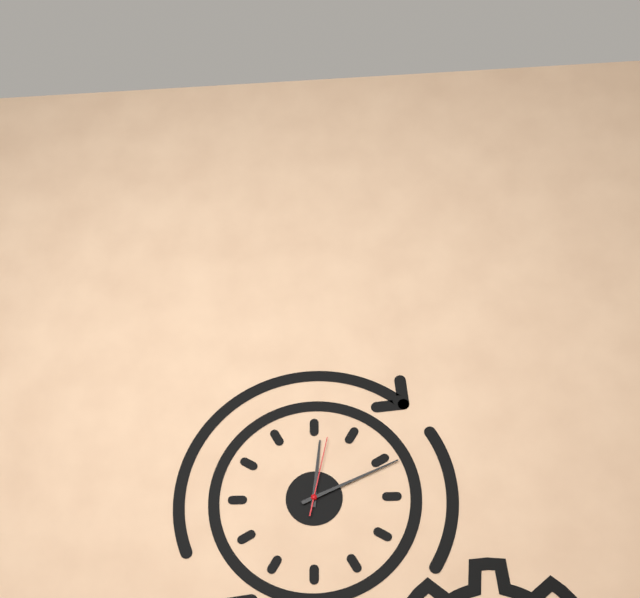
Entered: 12h11m02s
